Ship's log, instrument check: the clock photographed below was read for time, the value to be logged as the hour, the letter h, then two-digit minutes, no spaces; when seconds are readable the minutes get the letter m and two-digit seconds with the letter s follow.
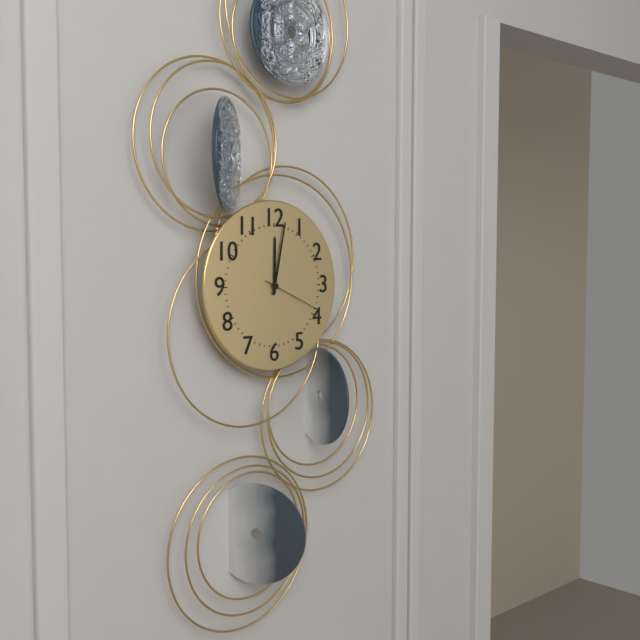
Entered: 12h02m19s
